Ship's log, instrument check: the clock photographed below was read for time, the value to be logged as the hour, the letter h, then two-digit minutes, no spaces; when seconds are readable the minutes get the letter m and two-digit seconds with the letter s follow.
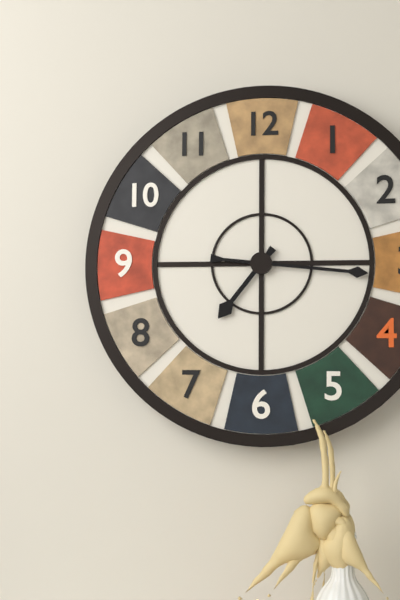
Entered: 7h16
